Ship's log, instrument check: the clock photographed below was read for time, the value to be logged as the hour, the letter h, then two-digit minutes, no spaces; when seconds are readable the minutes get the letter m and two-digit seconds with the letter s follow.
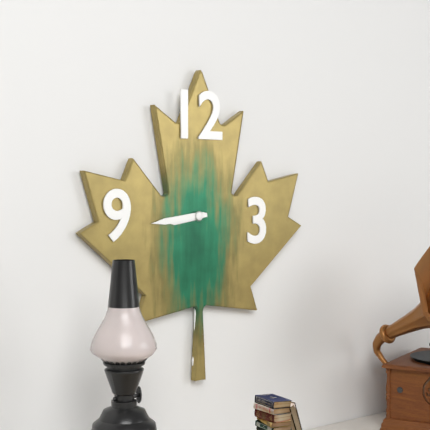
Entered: 8h44
